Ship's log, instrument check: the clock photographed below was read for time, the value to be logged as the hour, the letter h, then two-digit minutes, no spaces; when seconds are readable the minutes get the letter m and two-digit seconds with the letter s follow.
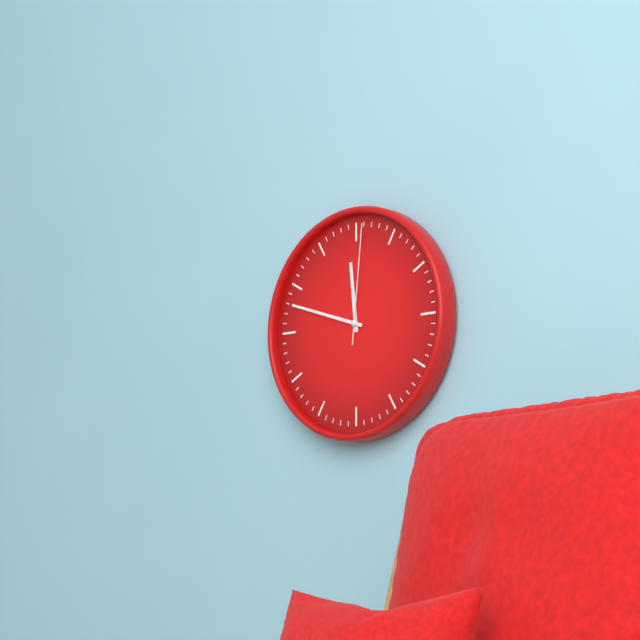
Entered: 11h48m01s
